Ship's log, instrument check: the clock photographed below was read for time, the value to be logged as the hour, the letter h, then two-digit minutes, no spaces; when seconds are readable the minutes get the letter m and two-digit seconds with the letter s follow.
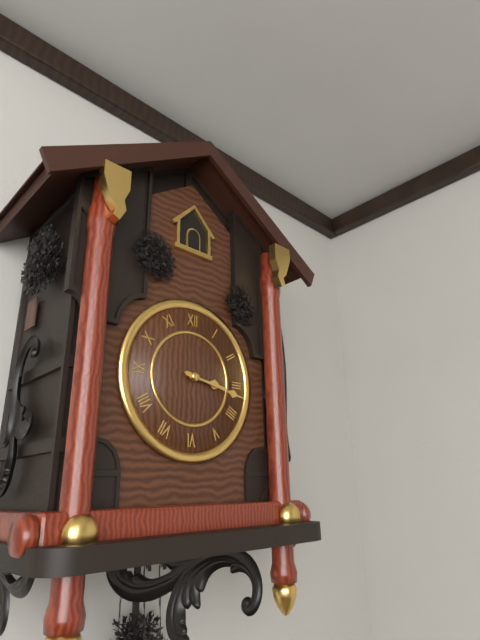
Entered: 3h17
